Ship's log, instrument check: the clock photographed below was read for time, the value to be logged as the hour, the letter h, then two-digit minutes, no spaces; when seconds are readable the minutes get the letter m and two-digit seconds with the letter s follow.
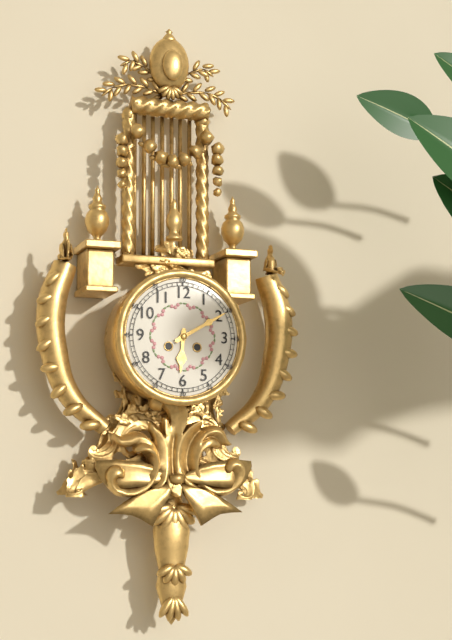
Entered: 6h10
